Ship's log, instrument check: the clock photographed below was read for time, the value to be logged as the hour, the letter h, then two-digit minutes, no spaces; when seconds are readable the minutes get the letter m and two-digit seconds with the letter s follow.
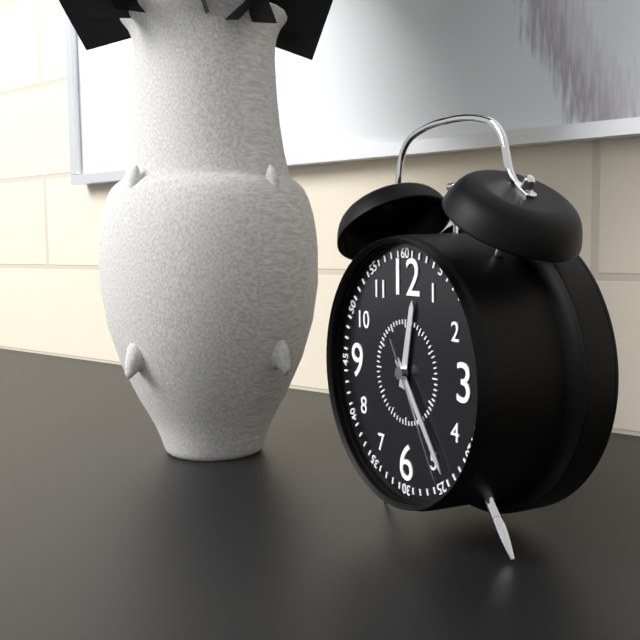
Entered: 12h24m25s
